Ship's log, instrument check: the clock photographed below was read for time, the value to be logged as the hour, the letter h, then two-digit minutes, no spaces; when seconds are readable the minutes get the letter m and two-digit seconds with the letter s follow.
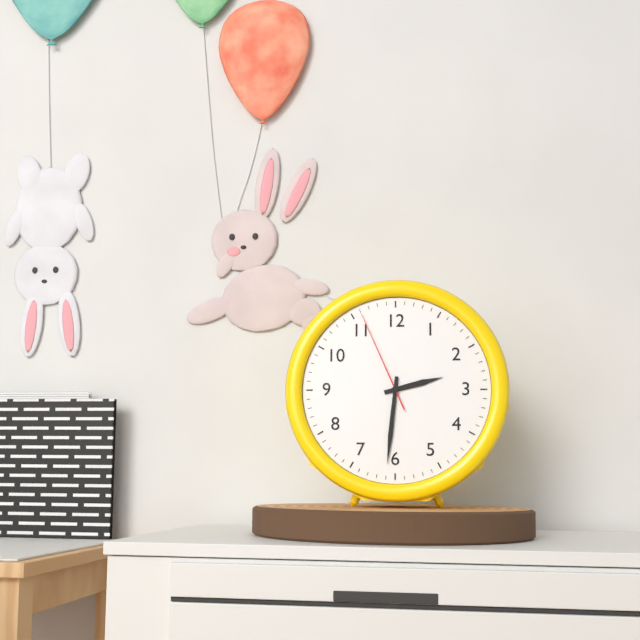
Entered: 2h31m56s
